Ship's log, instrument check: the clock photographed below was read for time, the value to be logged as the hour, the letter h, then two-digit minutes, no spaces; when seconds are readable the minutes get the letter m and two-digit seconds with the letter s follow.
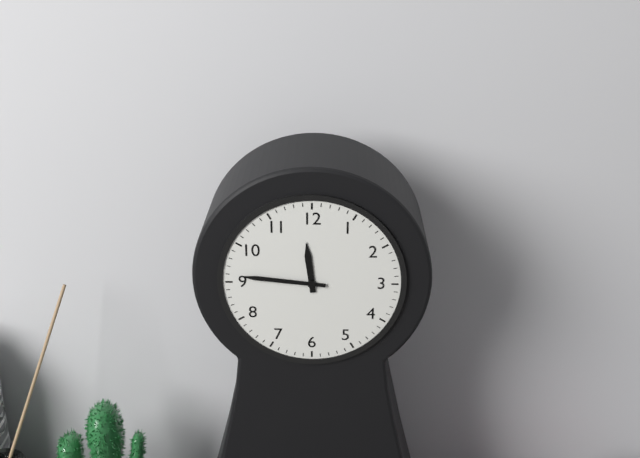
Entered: 11h46
